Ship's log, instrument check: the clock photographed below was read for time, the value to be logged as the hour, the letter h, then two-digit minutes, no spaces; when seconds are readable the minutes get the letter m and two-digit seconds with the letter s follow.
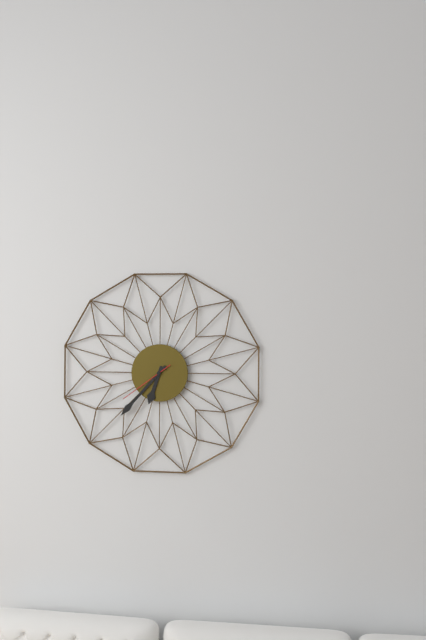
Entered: 6h37m39s
